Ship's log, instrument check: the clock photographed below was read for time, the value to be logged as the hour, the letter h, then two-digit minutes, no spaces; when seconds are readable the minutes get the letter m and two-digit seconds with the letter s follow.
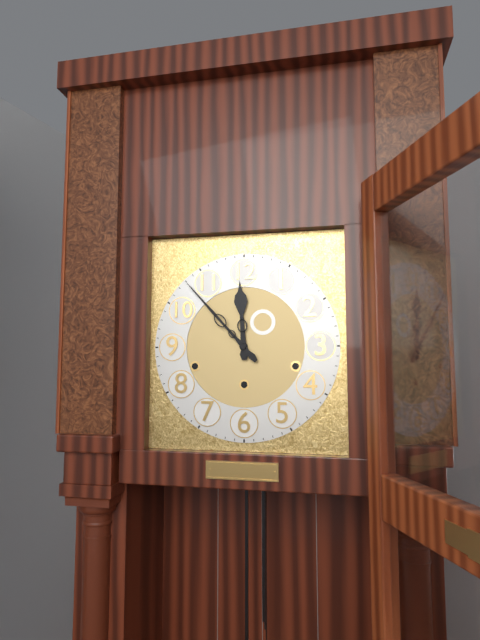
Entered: 11h53
